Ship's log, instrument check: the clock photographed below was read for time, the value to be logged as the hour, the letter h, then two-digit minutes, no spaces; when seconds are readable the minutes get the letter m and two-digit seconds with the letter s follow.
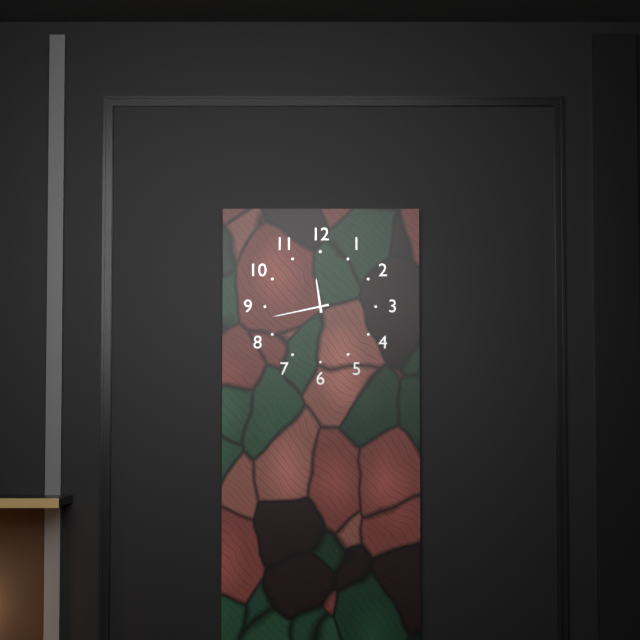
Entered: 11h43
